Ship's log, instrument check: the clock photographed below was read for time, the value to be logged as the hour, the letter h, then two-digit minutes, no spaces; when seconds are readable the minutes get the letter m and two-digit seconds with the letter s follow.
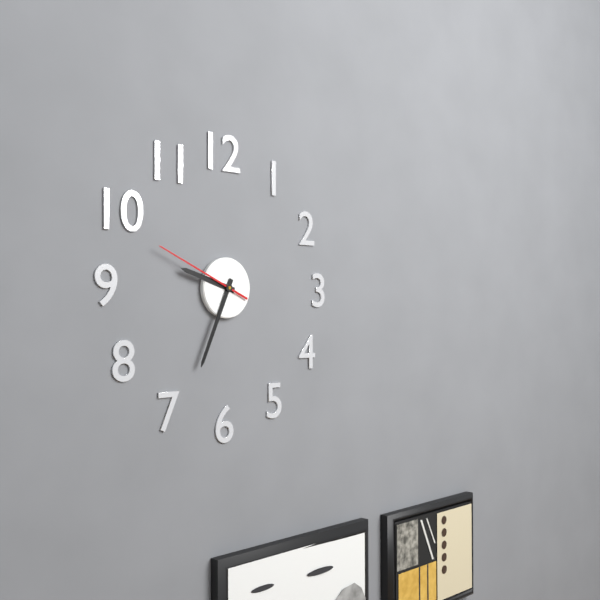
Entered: 9h34m49s
